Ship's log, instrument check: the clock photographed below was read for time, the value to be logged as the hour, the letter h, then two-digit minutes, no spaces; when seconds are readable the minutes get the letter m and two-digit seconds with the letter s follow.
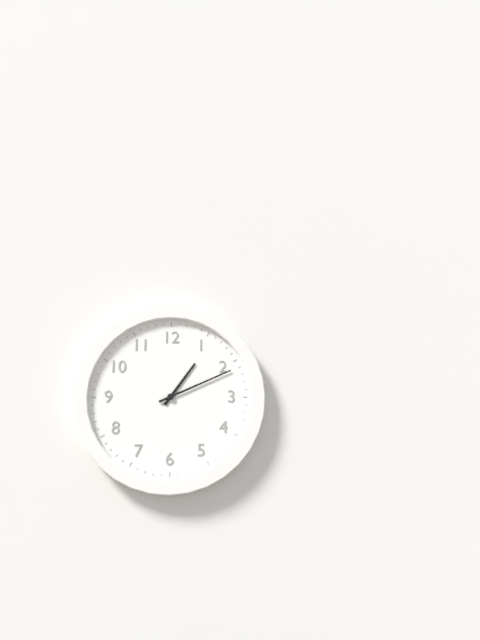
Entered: 1h11
